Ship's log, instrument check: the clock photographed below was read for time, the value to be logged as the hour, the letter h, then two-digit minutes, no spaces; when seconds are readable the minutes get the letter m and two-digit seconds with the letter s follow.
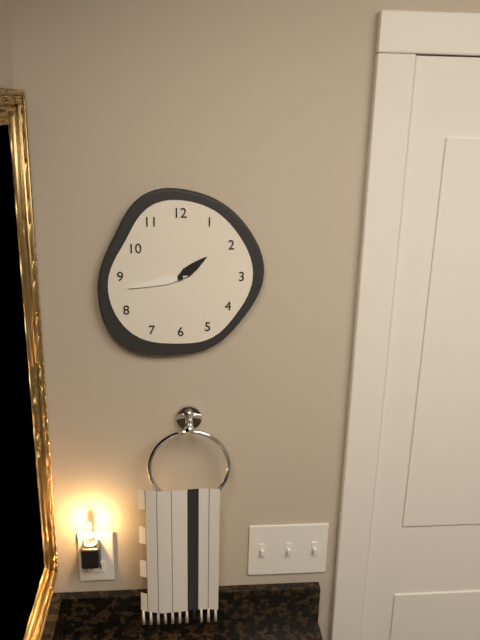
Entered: 1h43
